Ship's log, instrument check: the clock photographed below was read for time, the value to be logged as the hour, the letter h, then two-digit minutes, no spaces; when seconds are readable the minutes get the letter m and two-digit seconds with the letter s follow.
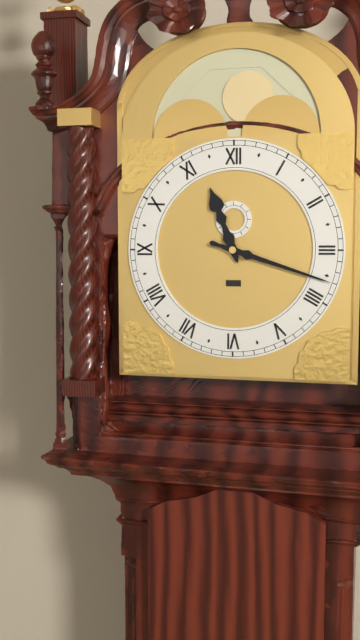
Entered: 11h18
